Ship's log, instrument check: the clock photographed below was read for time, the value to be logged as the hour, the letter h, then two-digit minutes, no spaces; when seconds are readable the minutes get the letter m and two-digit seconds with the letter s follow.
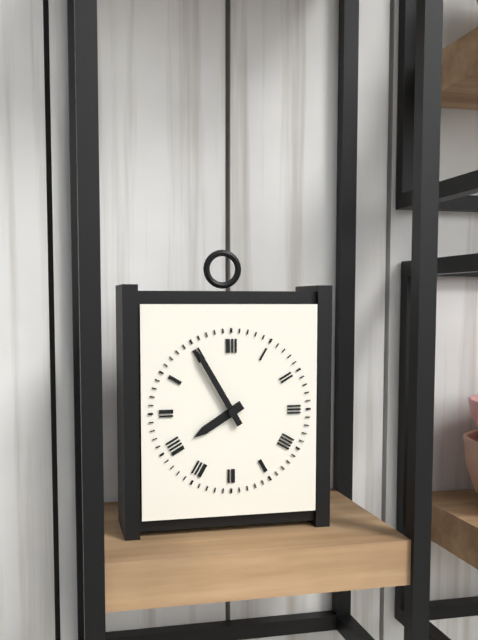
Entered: 7h55
